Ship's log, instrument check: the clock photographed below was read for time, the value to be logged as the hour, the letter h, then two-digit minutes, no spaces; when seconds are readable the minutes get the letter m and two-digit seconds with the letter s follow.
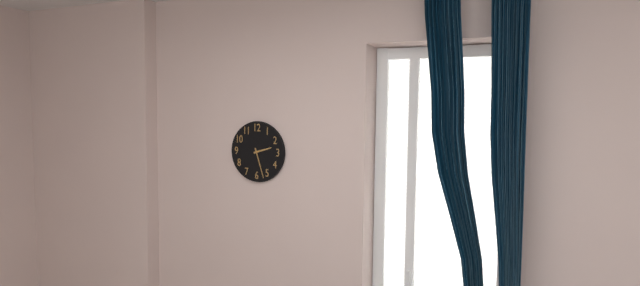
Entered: 2h27
